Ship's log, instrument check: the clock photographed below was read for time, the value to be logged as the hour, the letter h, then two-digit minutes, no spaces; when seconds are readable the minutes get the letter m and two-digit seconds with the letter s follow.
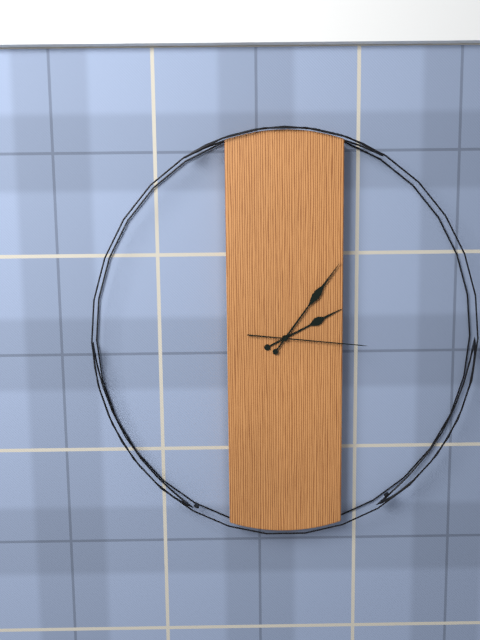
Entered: 2h06m16s
